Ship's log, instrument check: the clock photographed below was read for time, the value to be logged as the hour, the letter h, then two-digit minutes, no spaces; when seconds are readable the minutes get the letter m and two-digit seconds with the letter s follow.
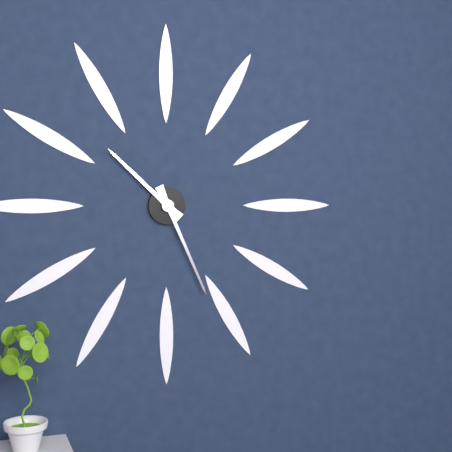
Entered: 10h26
